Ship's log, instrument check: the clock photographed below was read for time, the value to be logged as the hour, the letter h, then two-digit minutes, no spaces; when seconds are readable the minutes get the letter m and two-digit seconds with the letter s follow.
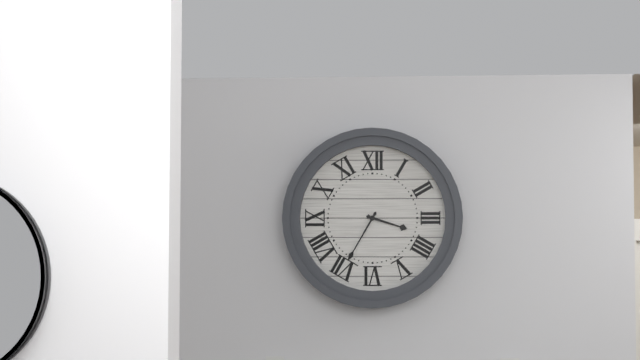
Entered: 3h35
